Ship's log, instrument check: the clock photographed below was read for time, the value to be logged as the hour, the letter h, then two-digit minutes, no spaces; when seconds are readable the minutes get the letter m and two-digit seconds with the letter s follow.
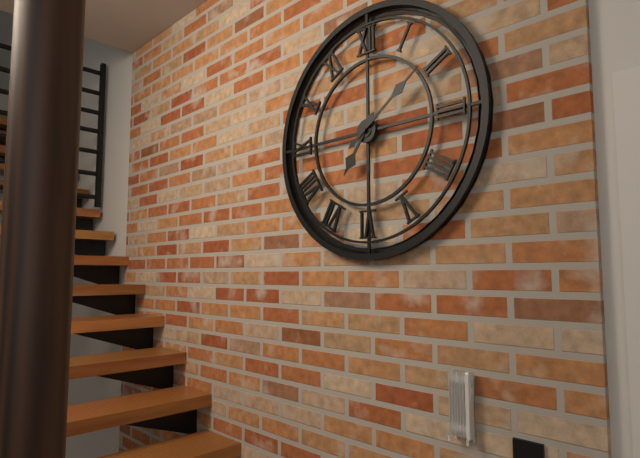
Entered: 7h09
